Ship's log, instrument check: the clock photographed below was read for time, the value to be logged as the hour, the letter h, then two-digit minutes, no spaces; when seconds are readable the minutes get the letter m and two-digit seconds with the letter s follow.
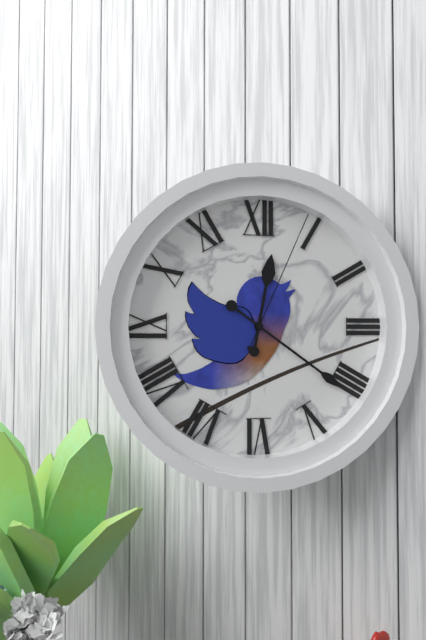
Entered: 12h21m04s
